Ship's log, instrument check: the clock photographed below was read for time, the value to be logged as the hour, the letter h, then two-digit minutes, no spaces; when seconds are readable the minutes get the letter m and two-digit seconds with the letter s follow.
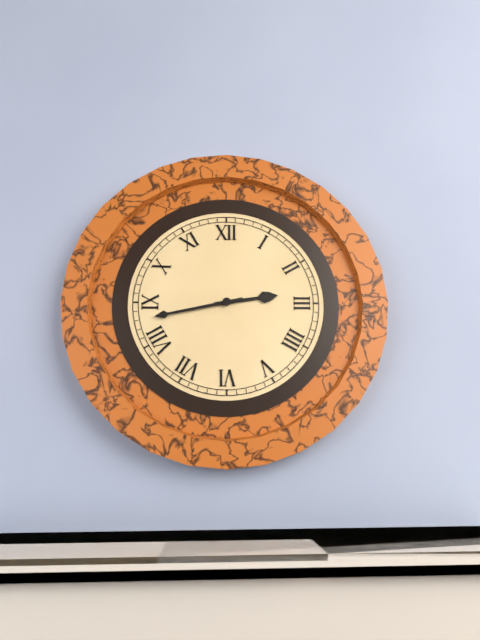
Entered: 2h43
